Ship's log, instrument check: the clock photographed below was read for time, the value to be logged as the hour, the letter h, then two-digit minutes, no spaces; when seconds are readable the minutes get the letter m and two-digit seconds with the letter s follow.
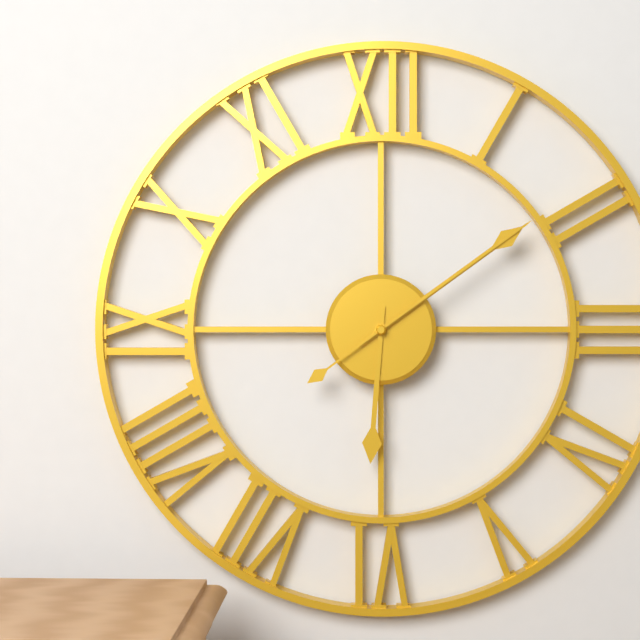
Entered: 6h09m09s
